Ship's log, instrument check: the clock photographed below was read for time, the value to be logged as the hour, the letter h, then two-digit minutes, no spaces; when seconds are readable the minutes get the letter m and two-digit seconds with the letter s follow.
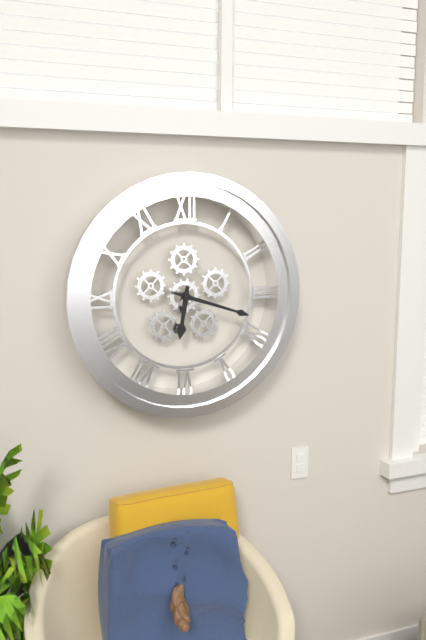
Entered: 6h18
